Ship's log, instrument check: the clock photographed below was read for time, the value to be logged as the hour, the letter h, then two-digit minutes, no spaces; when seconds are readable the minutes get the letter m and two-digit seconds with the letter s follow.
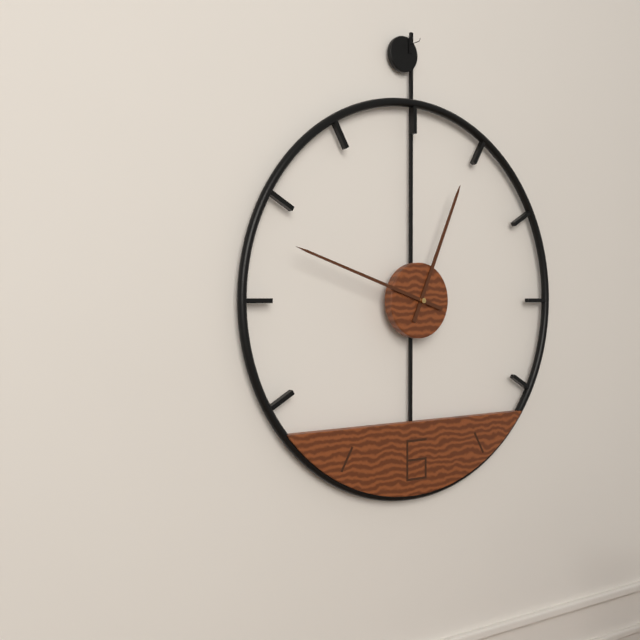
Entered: 12h48
